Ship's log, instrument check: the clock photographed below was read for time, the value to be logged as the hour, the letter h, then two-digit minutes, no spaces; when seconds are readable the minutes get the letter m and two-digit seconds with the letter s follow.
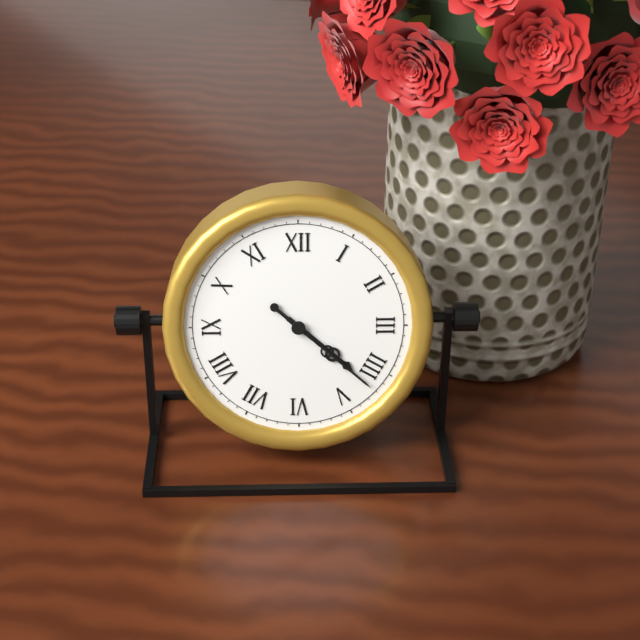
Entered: 4h22
